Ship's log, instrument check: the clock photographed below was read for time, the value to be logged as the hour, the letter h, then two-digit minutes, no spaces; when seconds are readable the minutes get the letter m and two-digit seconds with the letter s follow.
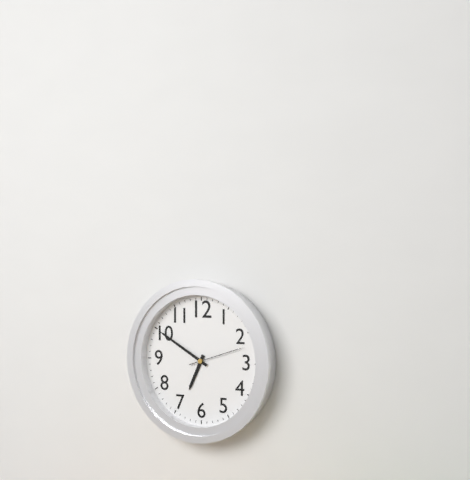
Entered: 6h50m12s
